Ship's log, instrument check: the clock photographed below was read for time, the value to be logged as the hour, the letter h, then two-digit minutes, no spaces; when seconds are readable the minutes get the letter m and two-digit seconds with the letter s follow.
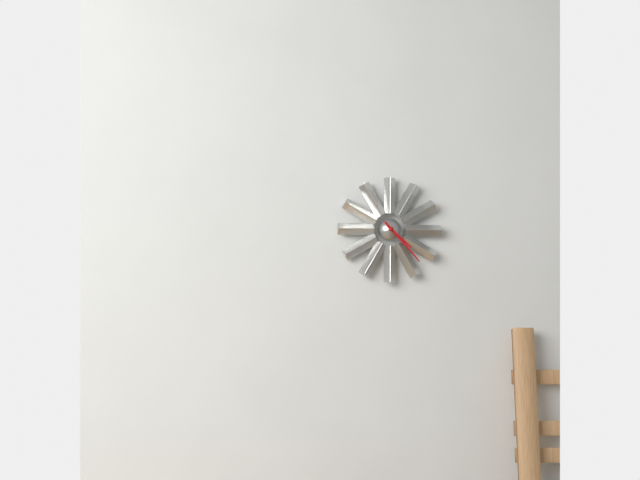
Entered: 4h23
